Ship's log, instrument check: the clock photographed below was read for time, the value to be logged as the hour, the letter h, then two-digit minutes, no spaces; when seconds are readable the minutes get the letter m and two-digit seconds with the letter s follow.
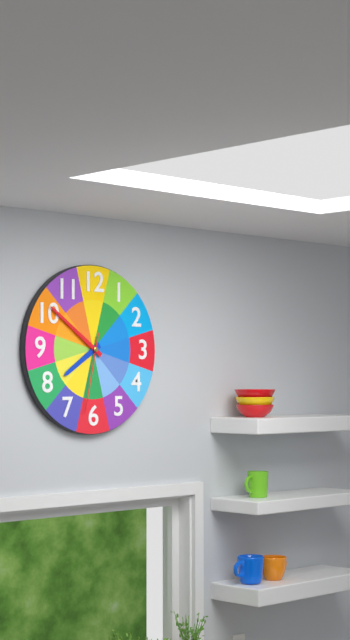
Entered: 7h51m32s
